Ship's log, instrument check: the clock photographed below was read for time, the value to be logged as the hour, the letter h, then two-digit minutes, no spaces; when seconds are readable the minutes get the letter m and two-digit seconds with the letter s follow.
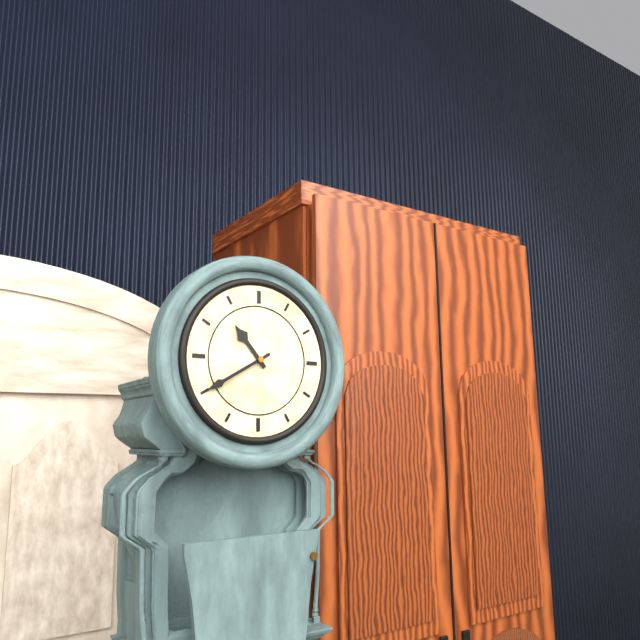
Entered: 10h40
